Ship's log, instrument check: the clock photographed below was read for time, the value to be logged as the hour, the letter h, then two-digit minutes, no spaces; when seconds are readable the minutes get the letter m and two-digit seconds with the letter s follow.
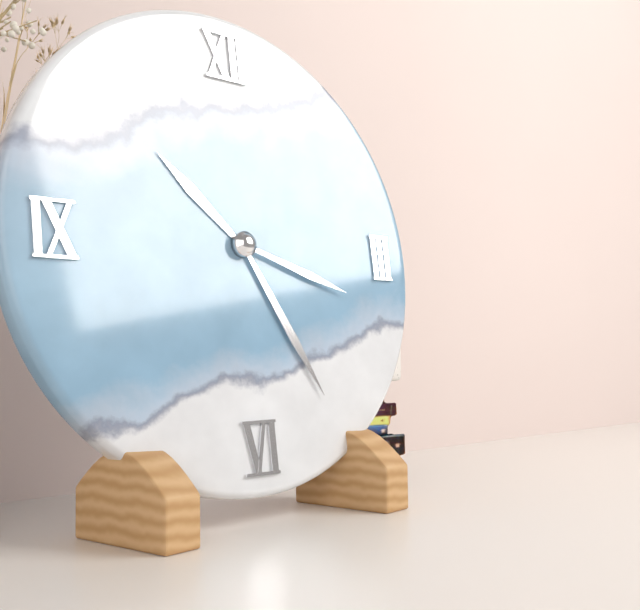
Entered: 10h25m18s
